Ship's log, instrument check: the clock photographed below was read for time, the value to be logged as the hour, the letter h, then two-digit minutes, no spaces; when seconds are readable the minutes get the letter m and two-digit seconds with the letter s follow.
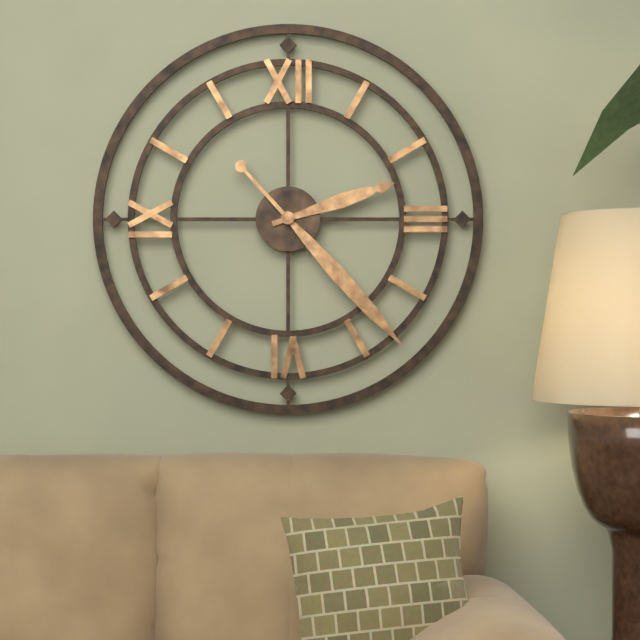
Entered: 2h23
